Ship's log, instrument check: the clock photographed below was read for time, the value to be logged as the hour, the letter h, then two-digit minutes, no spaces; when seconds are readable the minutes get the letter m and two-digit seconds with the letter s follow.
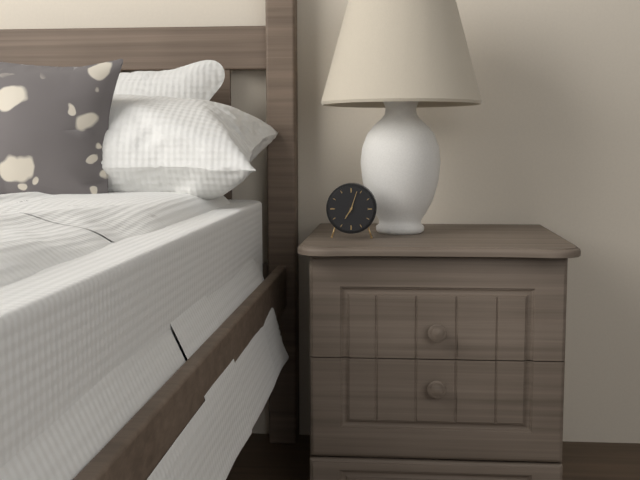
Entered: 7h03
